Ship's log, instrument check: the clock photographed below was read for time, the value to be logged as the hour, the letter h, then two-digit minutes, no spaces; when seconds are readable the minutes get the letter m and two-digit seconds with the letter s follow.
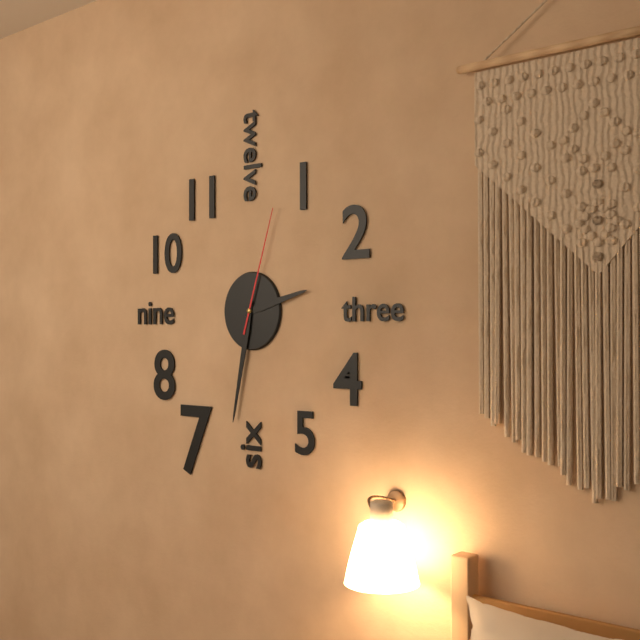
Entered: 2h32m03s
